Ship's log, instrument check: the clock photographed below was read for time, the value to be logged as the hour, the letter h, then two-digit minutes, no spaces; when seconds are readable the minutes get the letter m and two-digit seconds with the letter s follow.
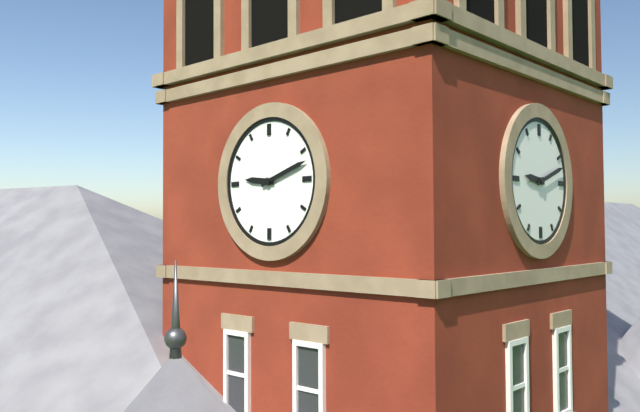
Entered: 9h12
